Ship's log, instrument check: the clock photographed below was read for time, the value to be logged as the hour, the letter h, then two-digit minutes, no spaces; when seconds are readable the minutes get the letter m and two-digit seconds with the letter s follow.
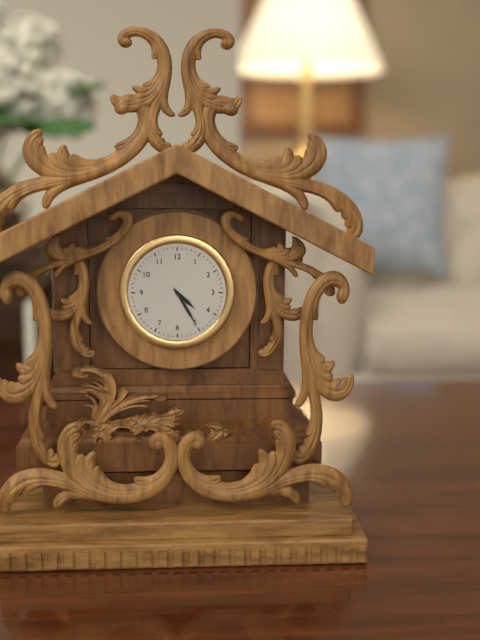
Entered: 4h25
